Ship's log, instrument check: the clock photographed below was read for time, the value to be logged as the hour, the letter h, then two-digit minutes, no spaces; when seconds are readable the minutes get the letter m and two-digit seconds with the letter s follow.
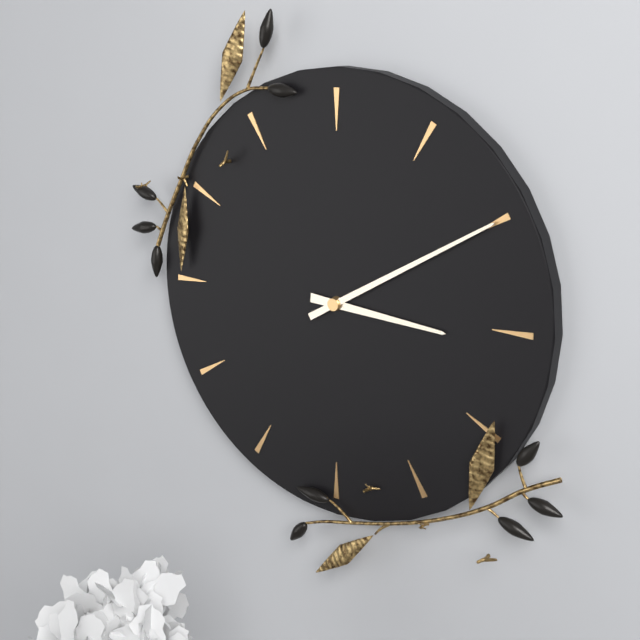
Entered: 3h10
